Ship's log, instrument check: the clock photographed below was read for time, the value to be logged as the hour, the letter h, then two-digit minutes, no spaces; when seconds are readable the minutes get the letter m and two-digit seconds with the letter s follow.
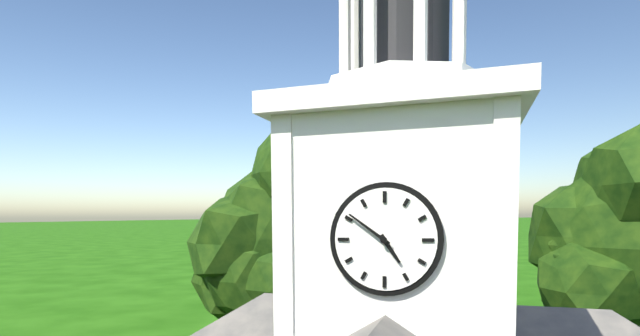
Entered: 4h51
